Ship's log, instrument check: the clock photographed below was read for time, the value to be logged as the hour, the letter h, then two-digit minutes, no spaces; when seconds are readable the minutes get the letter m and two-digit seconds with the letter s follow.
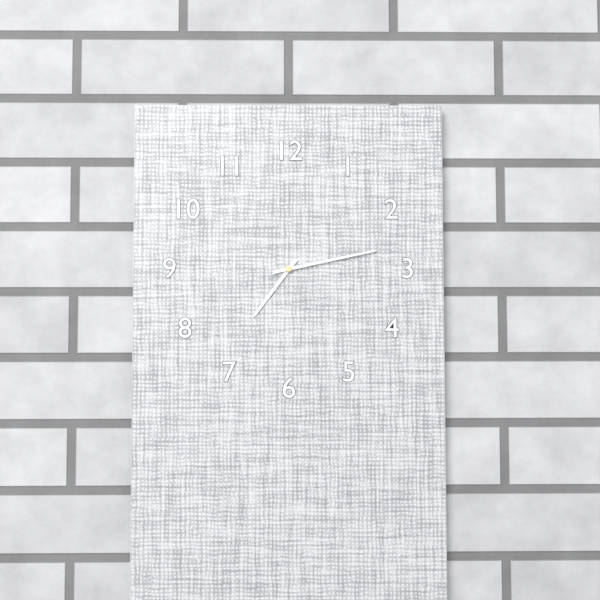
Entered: 7h13
